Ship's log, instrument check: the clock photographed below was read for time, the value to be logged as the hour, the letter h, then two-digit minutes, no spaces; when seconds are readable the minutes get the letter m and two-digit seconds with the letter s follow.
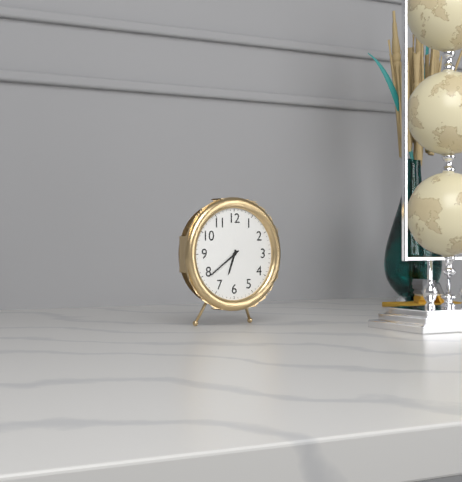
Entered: 6h39
